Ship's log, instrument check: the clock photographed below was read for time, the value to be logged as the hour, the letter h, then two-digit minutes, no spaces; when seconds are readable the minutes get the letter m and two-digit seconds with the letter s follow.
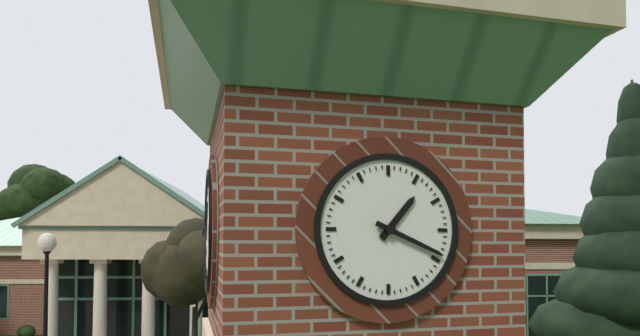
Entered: 1h19
